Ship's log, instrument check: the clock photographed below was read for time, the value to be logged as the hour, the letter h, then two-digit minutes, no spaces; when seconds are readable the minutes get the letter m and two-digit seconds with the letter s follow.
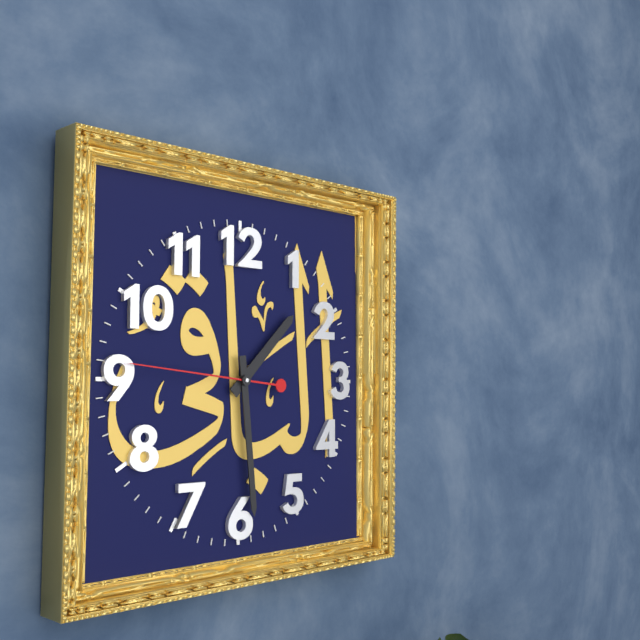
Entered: 1h29m46s
